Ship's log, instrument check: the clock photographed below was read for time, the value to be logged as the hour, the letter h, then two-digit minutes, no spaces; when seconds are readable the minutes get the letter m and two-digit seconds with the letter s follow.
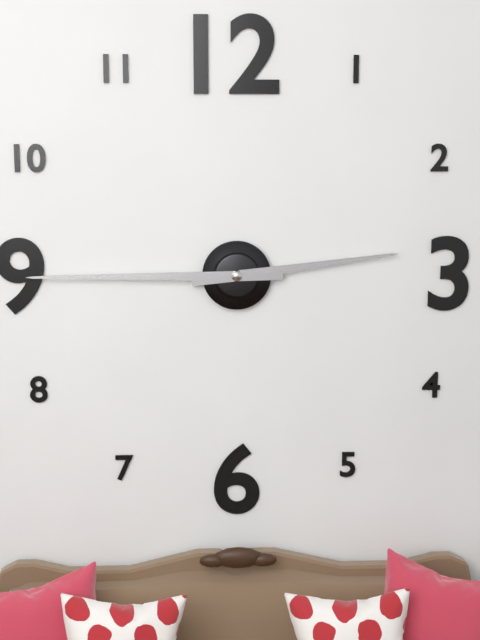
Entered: 2h45
